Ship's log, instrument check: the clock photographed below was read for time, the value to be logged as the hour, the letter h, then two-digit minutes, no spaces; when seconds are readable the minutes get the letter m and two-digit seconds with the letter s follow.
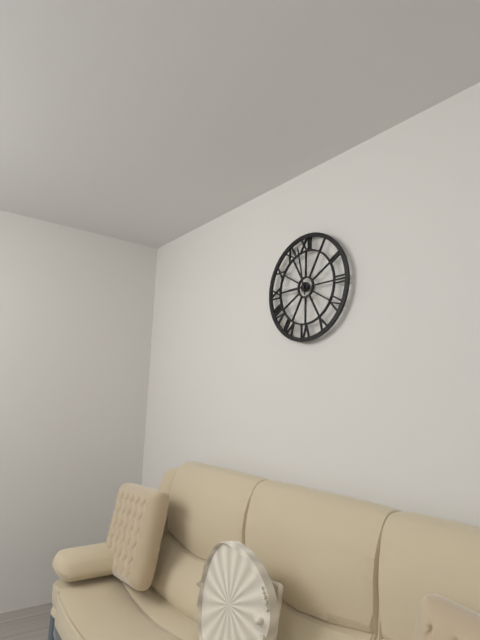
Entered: 8h58
